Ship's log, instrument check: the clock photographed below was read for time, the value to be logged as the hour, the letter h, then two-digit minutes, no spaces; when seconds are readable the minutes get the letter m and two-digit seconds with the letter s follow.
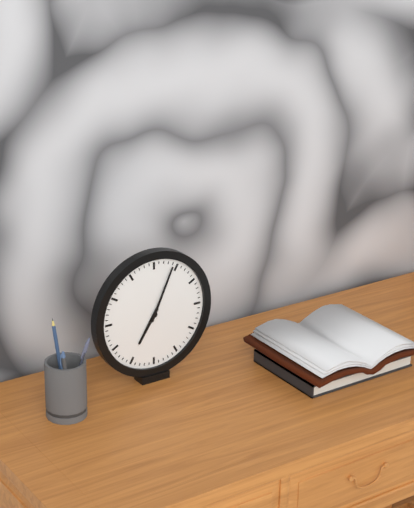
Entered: 7h04
